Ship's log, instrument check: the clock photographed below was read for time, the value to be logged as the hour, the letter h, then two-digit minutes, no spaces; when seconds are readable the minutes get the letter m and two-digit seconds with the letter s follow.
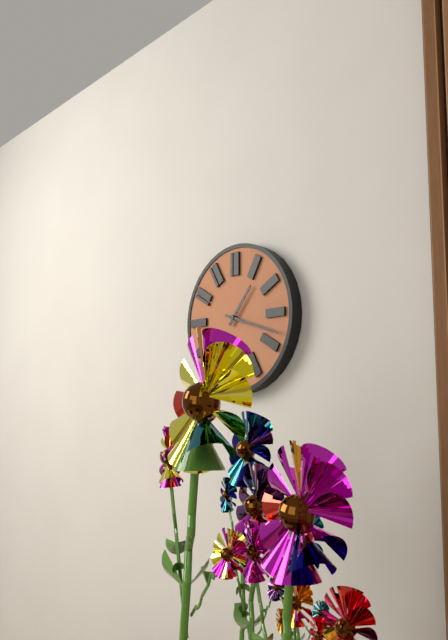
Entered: 1h18
